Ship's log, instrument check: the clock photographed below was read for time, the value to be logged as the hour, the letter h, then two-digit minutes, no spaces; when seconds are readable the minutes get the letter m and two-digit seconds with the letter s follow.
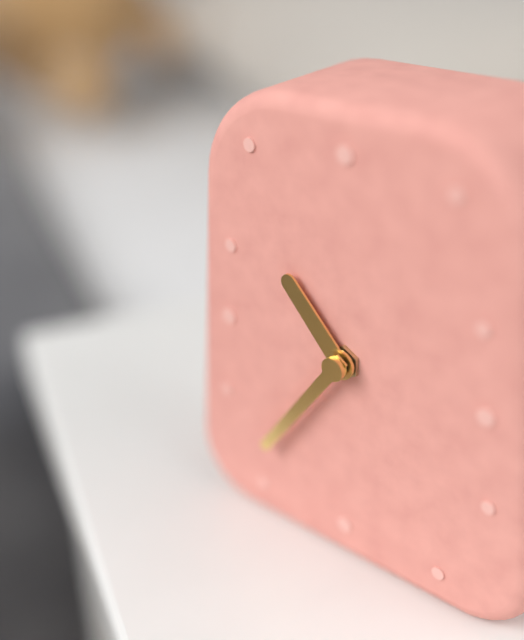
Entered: 10h36
